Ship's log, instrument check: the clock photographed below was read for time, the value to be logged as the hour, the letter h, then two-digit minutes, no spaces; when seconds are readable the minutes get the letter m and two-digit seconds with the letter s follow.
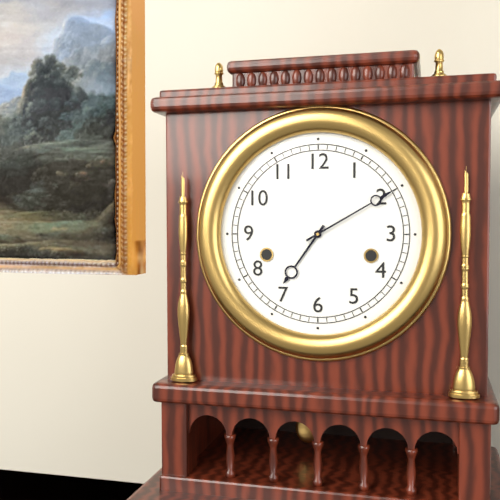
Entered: 7h10
